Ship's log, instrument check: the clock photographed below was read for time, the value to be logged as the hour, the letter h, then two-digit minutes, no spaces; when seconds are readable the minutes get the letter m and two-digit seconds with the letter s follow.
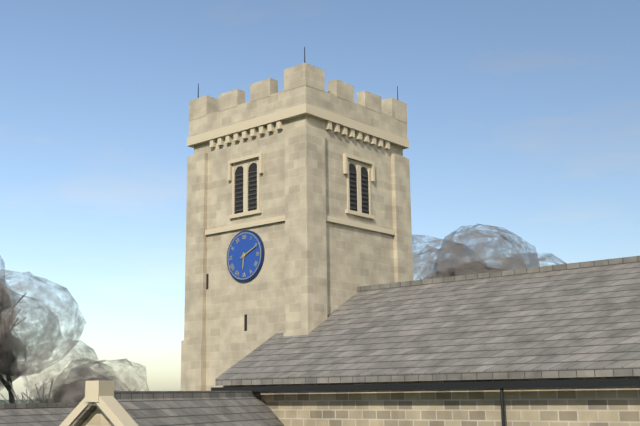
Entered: 6h11
